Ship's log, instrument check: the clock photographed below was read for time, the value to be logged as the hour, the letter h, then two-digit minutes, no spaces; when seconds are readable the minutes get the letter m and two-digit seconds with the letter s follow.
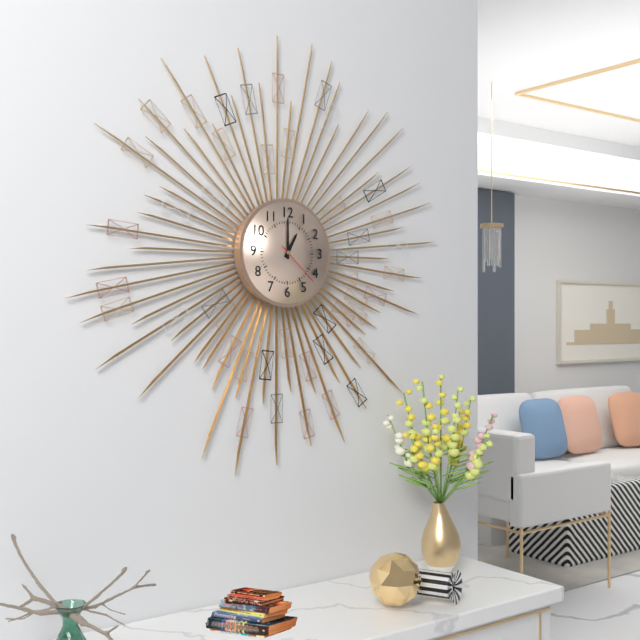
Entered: 1h00
